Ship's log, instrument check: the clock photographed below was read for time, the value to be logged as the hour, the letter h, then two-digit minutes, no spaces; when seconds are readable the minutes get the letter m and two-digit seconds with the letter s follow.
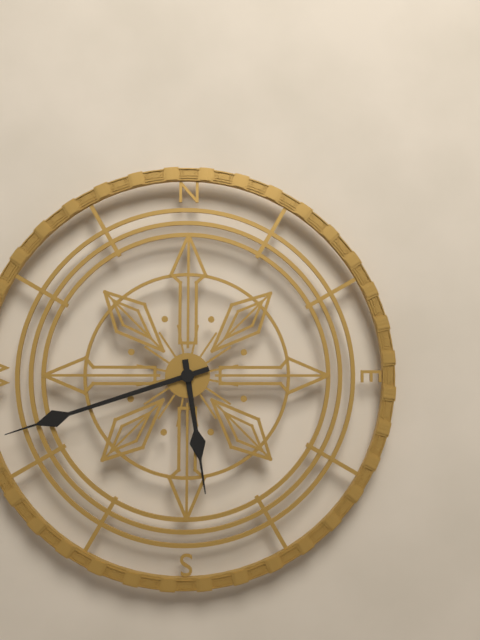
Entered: 5h42
